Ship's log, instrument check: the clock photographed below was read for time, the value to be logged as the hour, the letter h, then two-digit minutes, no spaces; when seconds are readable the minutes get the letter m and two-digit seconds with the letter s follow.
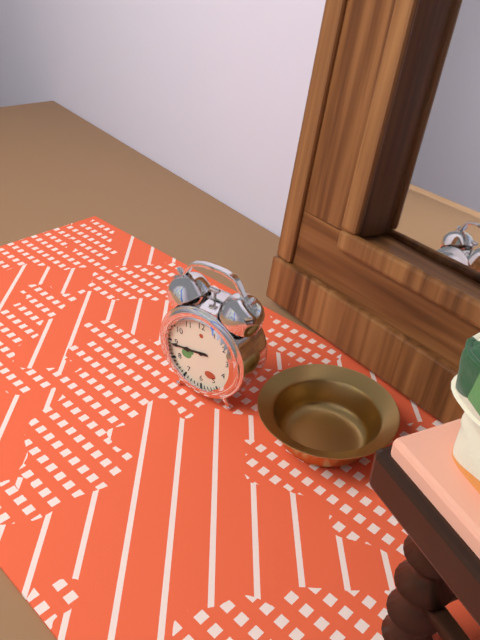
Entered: 8h44
